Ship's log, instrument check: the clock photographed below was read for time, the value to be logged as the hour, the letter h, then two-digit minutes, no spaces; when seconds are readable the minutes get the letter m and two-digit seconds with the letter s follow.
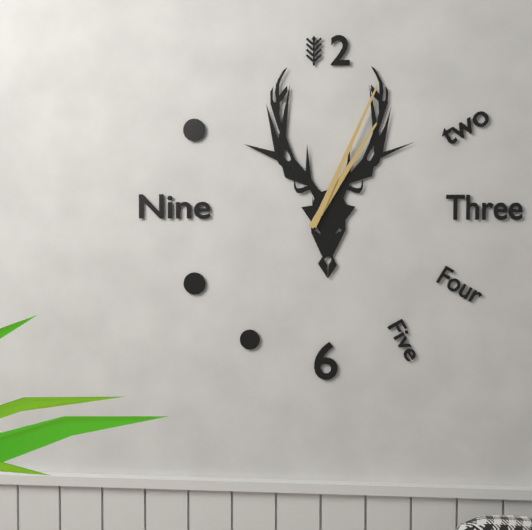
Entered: 1h04
